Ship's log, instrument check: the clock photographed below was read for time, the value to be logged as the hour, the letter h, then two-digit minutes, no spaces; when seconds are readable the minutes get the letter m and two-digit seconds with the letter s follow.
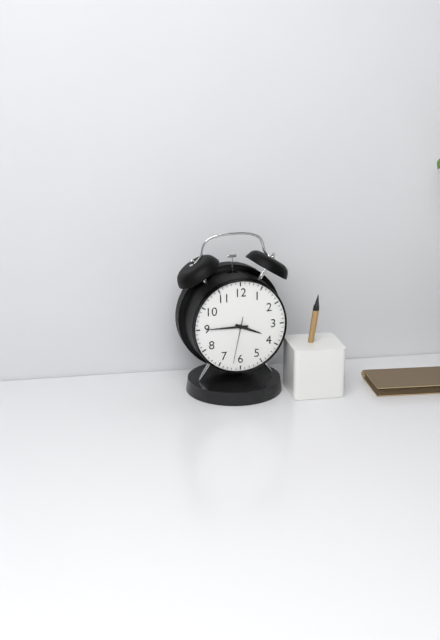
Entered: 3h45
